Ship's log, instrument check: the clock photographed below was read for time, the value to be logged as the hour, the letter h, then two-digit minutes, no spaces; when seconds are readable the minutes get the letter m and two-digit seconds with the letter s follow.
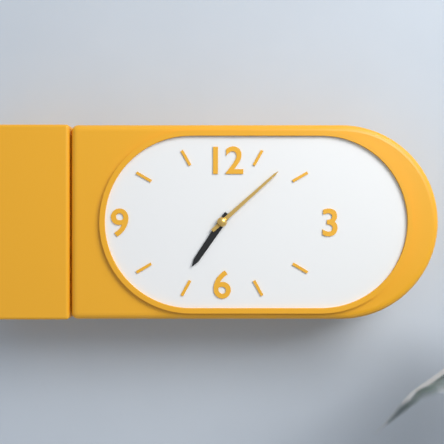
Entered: 7h08
